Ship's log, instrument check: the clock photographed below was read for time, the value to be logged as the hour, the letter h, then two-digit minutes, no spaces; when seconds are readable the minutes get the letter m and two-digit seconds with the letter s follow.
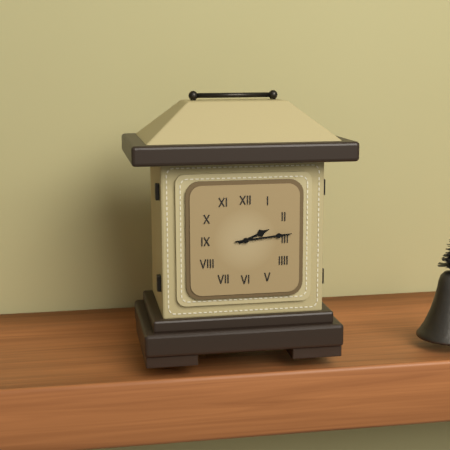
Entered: 2h14
